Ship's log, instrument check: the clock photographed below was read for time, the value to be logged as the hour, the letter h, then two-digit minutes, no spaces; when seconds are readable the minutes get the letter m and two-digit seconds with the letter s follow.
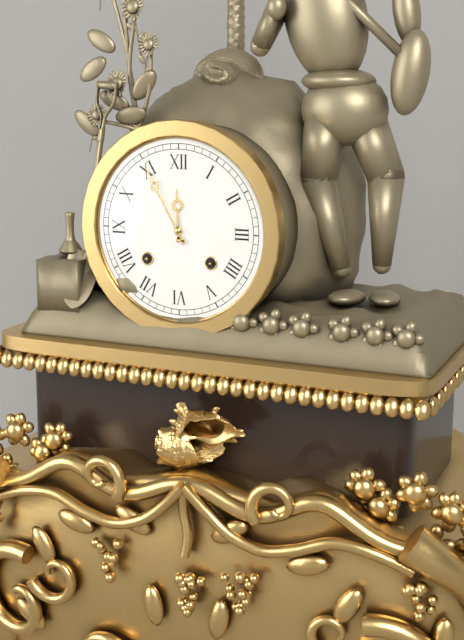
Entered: 11h55
